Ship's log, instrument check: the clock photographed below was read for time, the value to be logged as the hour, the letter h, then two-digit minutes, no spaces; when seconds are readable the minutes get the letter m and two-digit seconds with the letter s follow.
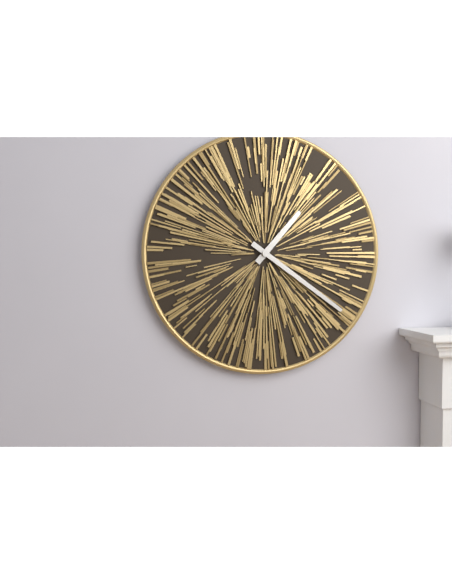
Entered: 1h21
